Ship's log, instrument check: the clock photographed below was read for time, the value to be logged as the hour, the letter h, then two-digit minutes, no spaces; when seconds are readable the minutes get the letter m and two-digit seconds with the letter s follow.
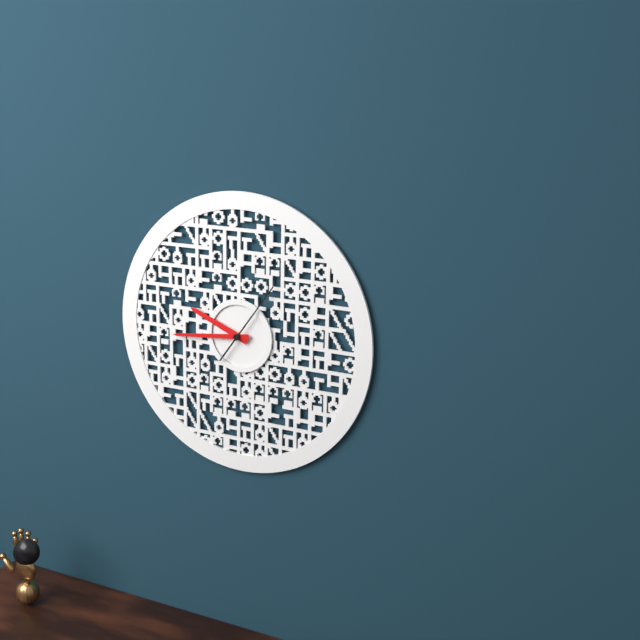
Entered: 9h44m06s
